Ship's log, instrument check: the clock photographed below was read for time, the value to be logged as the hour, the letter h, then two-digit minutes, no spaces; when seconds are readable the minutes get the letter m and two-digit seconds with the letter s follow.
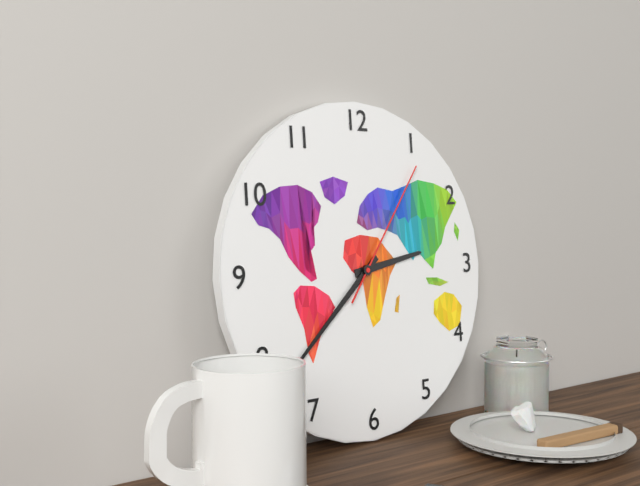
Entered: 2h38m06s
